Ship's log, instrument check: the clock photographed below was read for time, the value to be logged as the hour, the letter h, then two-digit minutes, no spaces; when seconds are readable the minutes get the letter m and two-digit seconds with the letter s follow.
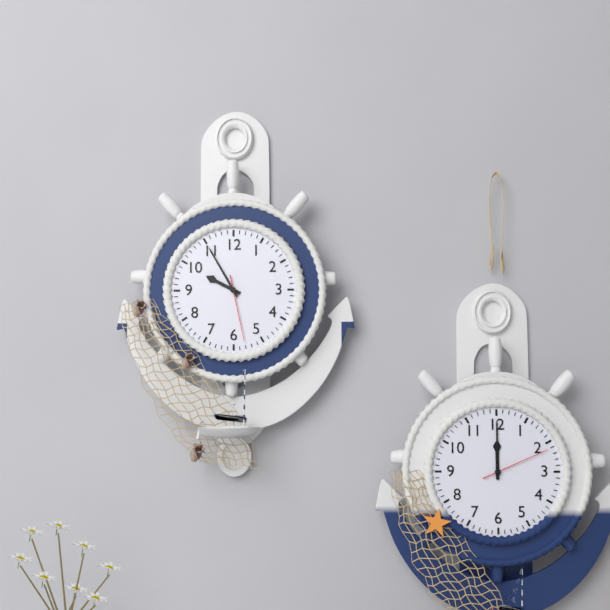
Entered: 9h55m28s
